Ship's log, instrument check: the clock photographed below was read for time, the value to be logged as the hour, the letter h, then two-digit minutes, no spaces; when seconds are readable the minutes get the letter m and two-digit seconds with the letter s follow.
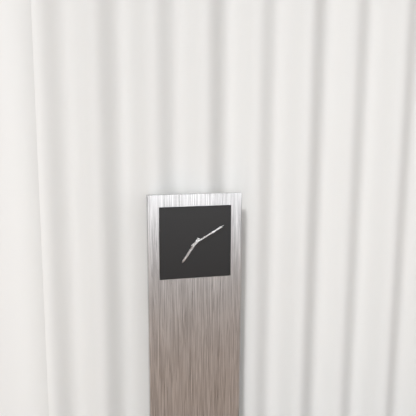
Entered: 7h10
